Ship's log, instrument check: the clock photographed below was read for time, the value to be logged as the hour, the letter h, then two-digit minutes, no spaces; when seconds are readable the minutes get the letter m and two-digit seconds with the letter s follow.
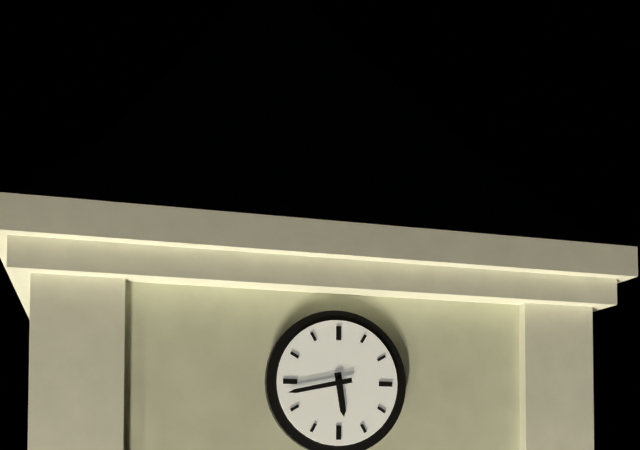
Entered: 5h43
